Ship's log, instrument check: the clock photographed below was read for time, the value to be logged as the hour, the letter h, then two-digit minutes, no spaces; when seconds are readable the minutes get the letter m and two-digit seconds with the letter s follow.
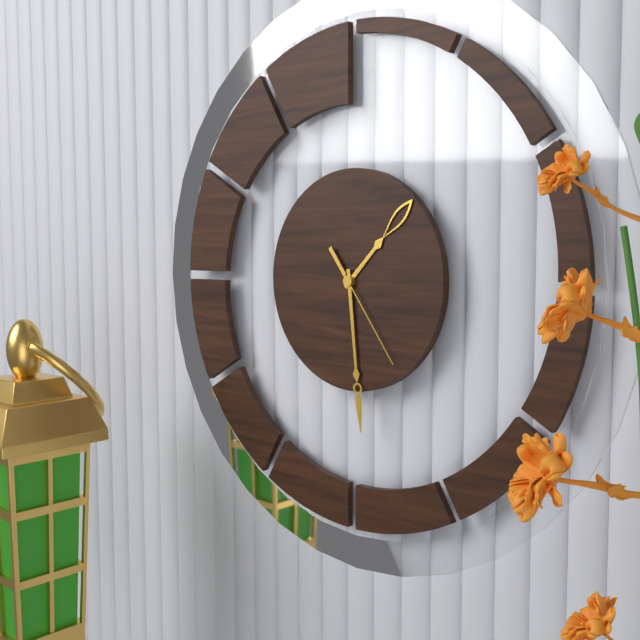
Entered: 1h29m24s
